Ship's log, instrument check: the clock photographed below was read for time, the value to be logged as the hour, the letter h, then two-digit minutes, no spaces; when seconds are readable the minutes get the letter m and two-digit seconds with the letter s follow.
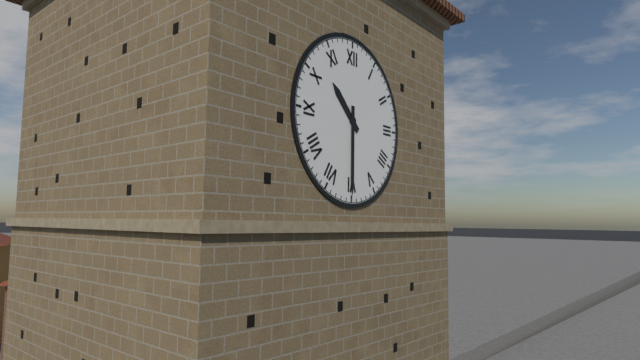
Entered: 10h30
